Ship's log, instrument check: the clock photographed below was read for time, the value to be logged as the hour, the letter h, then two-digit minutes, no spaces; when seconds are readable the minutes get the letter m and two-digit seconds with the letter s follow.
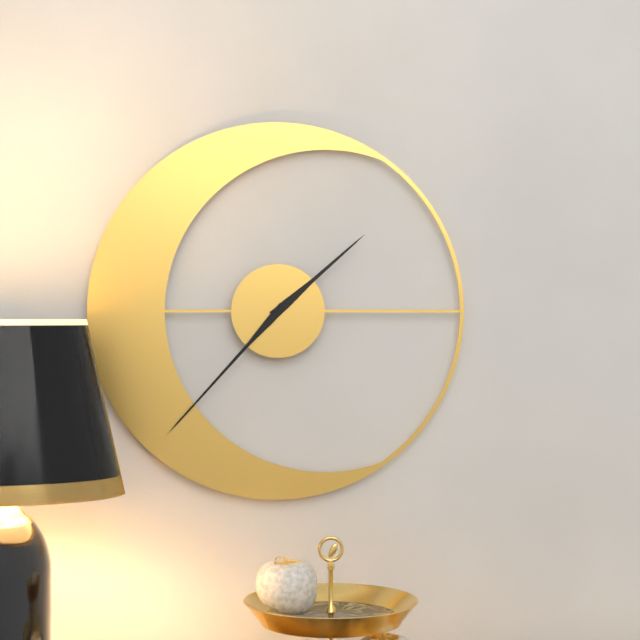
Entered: 1h37
